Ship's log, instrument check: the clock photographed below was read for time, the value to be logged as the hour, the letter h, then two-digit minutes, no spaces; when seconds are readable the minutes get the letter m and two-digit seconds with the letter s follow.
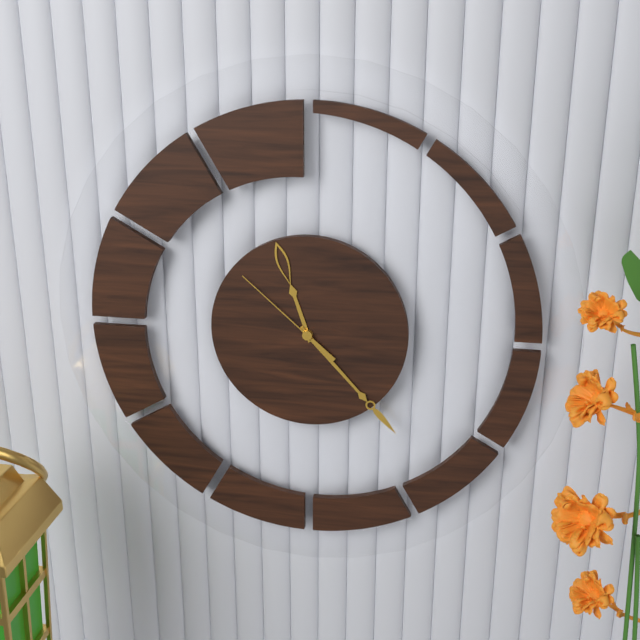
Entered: 11h23m52s
